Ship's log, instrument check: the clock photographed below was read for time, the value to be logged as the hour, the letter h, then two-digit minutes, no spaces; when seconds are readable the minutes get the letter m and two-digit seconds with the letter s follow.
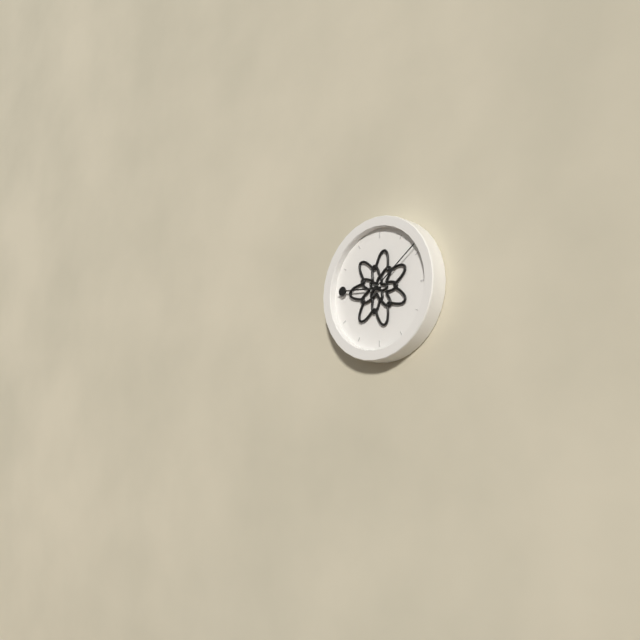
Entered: 9h09
